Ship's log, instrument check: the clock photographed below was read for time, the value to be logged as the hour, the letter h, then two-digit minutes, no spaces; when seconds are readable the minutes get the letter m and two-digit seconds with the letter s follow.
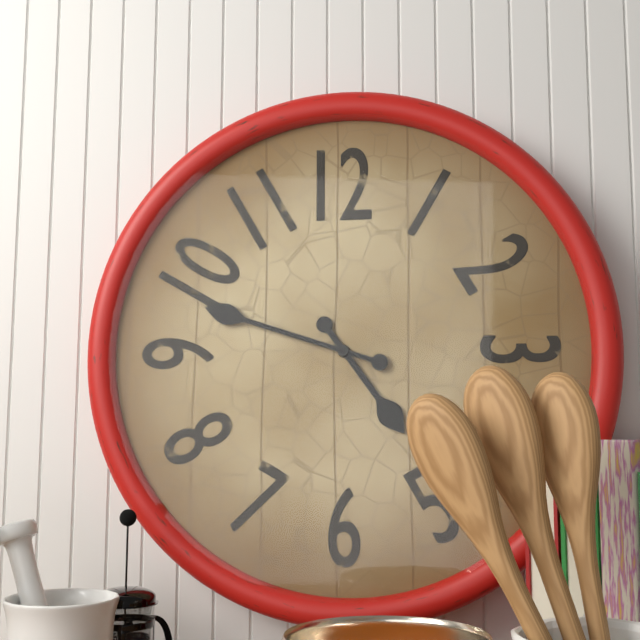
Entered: 4h48
